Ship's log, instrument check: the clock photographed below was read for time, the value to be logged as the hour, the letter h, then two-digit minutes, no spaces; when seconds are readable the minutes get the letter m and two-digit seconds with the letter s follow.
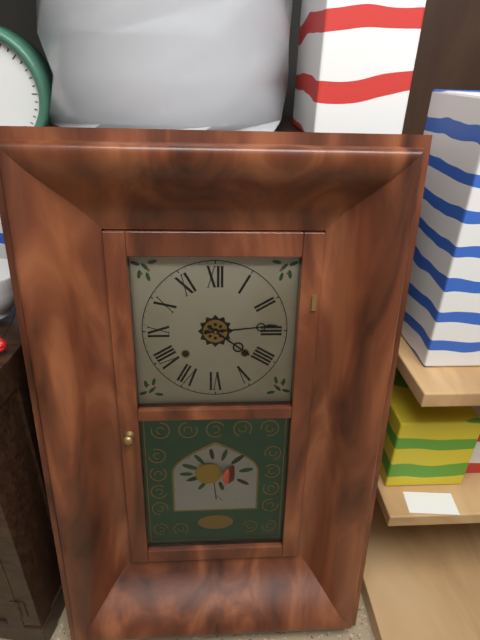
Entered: 4h14
